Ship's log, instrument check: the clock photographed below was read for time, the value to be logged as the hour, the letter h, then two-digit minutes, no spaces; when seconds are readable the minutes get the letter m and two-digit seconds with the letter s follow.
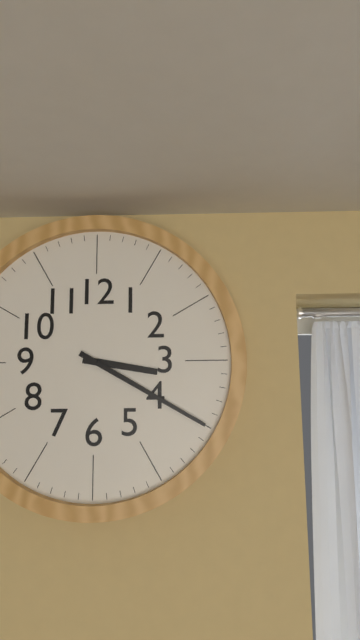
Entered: 3h20
